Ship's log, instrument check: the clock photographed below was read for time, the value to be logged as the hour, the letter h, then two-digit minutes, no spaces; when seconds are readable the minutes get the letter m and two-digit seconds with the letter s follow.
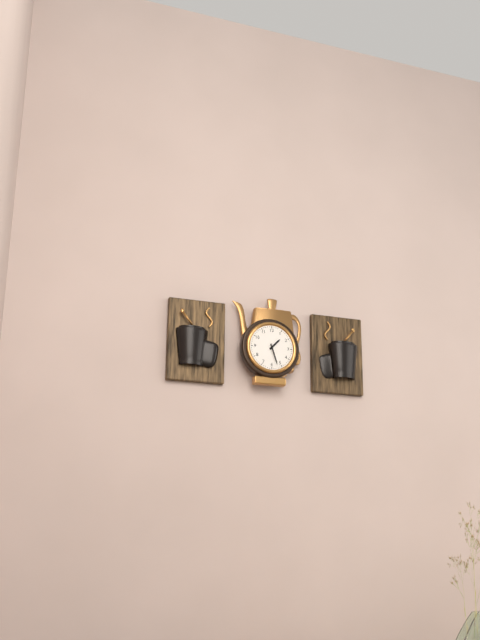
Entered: 1h27
